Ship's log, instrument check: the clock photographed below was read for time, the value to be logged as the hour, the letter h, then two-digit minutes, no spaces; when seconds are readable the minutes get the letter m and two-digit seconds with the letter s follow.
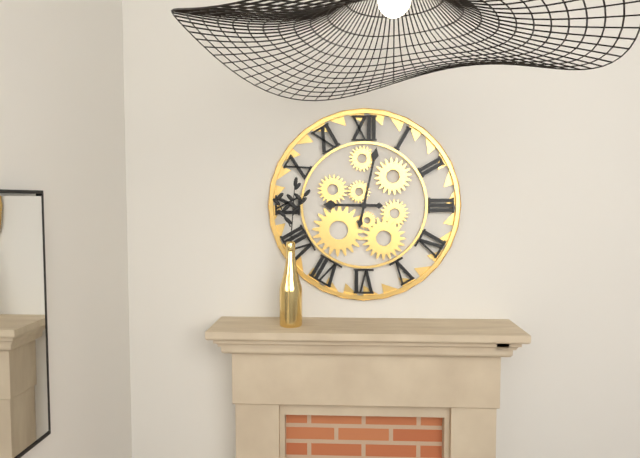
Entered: 9h02
